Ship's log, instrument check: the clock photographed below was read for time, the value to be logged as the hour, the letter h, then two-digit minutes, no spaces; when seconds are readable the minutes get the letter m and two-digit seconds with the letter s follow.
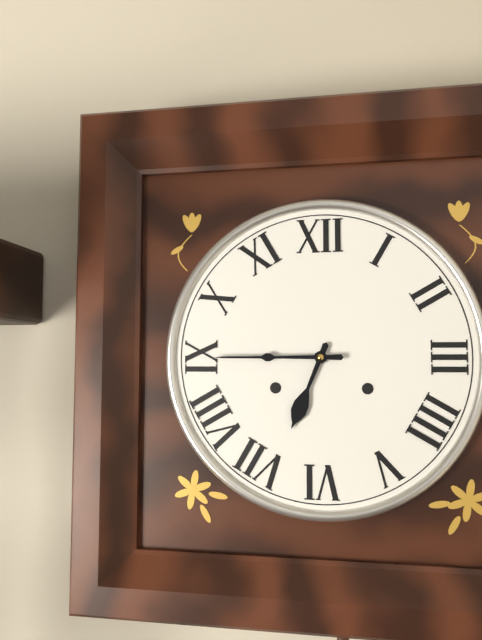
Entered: 6h45
